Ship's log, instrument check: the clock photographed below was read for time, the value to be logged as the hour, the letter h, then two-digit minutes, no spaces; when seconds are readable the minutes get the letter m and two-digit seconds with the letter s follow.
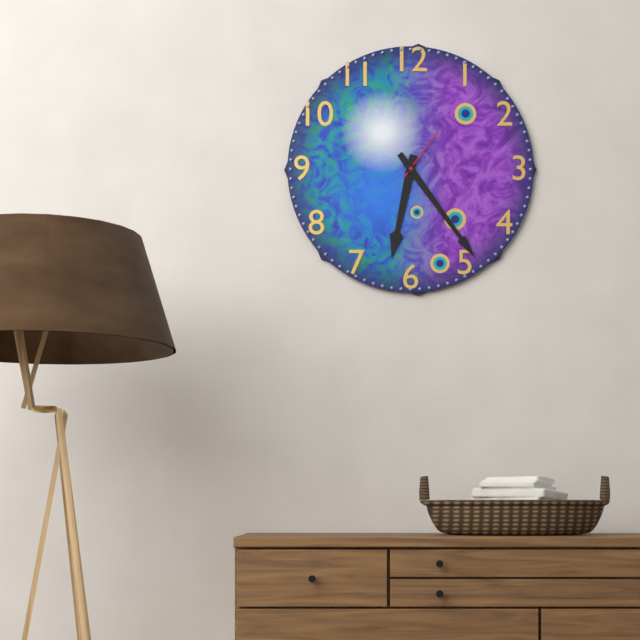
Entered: 6h24m06s
